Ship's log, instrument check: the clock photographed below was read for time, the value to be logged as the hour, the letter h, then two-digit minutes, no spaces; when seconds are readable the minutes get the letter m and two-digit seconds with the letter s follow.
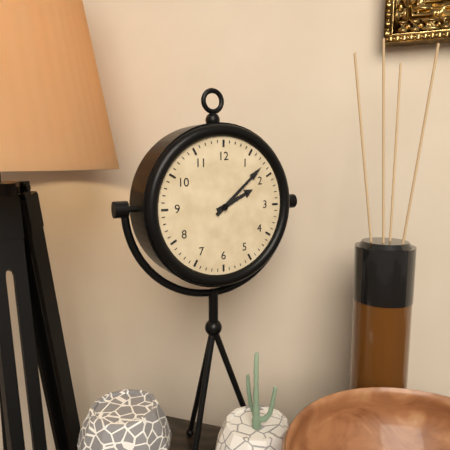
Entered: 2h08
